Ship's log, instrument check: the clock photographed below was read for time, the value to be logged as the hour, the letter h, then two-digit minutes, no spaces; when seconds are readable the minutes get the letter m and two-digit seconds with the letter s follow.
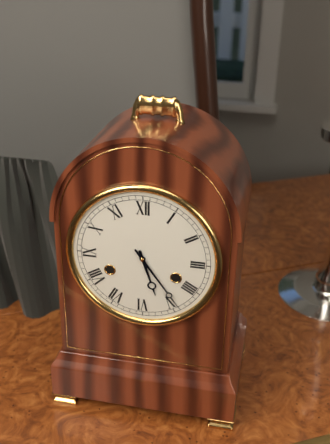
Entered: 5h24
